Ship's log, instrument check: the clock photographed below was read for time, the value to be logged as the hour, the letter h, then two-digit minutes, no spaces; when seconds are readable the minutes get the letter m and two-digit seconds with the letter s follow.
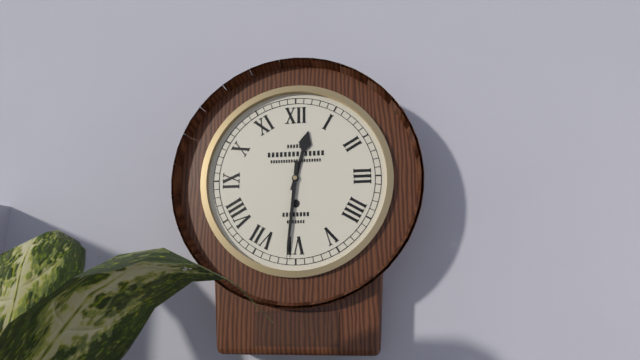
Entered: 12h31
